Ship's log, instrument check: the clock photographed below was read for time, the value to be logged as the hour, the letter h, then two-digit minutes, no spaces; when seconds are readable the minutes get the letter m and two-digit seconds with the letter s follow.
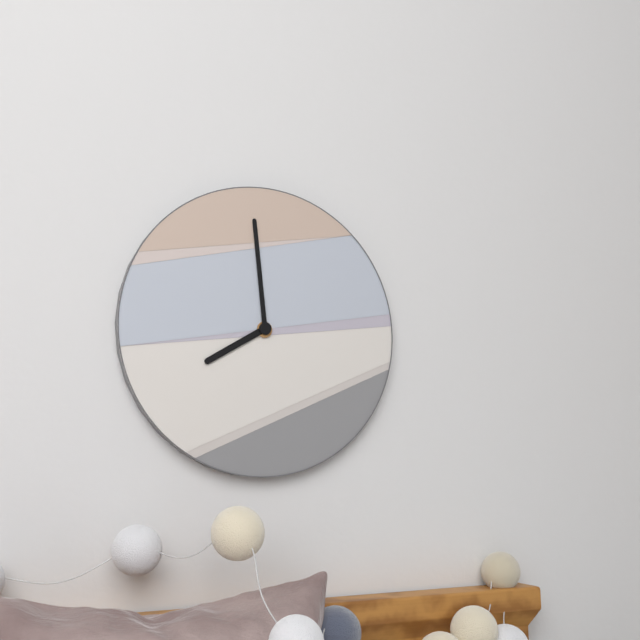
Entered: 7h59
